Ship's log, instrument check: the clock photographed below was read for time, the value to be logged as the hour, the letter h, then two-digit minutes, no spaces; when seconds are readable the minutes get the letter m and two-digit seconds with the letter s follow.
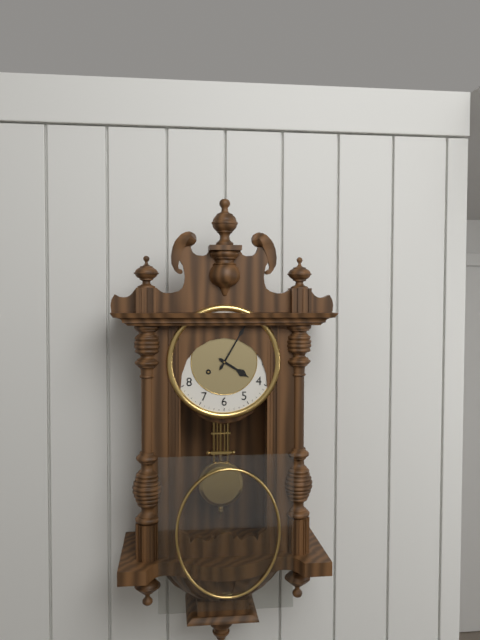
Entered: 4h05
